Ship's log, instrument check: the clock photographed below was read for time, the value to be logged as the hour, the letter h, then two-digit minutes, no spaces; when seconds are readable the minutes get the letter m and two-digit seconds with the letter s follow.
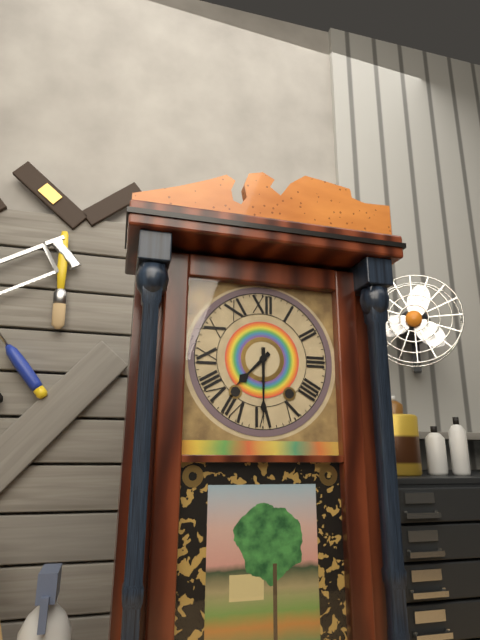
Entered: 7h30
